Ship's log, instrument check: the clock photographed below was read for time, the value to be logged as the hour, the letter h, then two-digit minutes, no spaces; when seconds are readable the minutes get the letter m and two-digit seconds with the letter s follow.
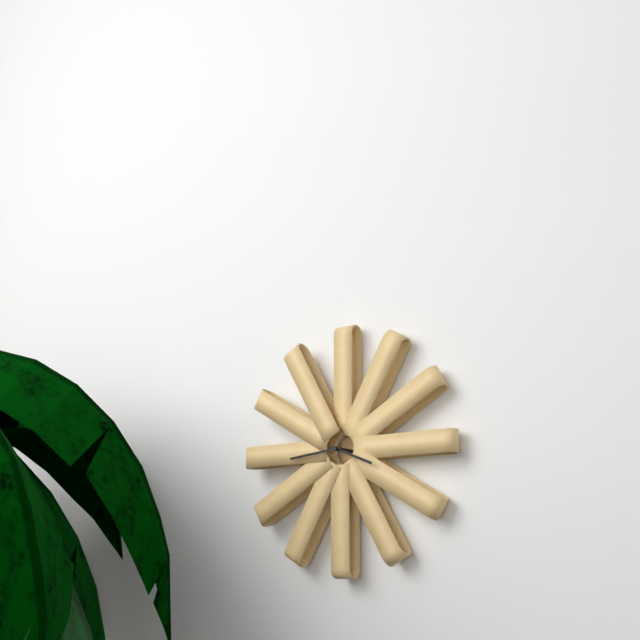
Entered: 3h44
